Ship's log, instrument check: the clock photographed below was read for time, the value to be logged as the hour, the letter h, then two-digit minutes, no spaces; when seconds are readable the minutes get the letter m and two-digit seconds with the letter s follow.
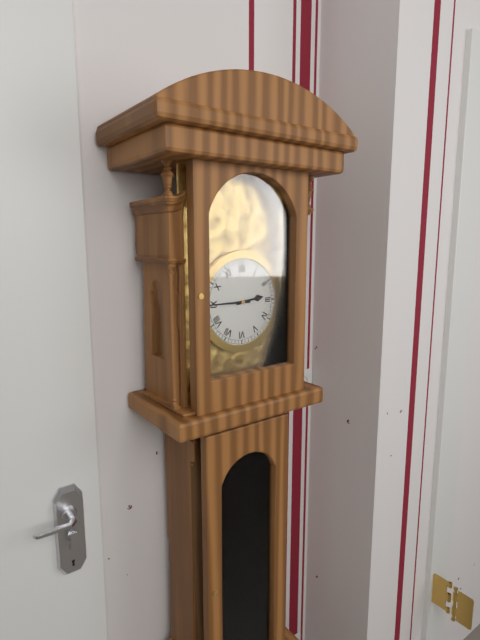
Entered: 2h45
